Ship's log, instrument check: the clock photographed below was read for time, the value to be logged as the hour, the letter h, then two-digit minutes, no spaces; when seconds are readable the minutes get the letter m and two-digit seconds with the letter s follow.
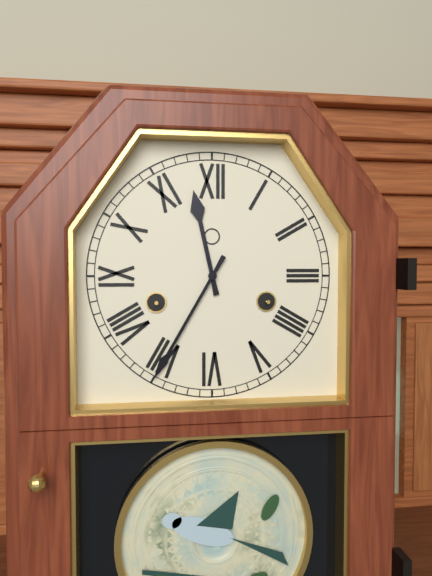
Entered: 11h35
